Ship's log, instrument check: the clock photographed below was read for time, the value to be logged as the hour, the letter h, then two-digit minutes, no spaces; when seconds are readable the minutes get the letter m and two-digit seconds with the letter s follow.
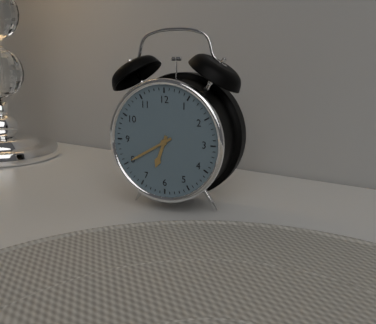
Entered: 6h40
